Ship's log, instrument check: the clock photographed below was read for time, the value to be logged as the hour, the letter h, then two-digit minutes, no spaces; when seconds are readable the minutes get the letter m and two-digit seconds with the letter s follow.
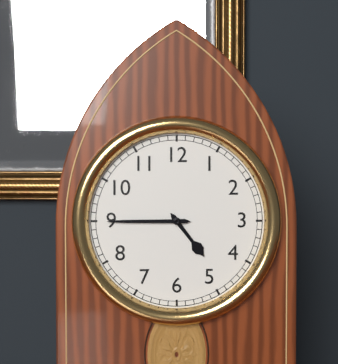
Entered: 4h45
